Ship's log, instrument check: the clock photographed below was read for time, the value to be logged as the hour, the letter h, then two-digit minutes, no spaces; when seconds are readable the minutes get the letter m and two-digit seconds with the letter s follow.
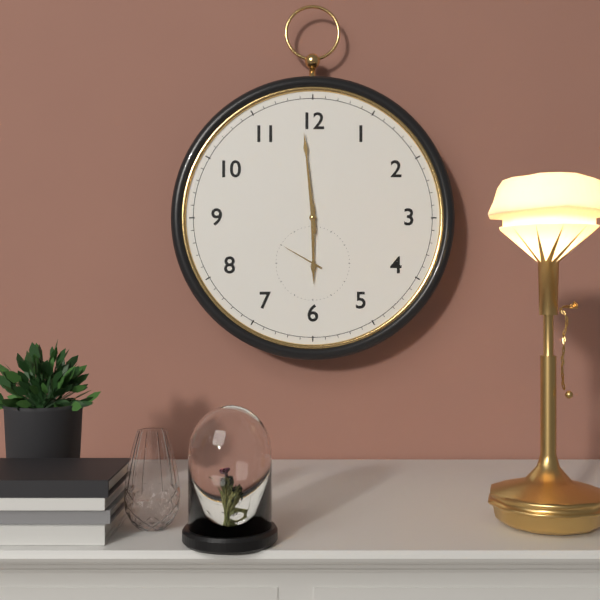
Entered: 5h59
